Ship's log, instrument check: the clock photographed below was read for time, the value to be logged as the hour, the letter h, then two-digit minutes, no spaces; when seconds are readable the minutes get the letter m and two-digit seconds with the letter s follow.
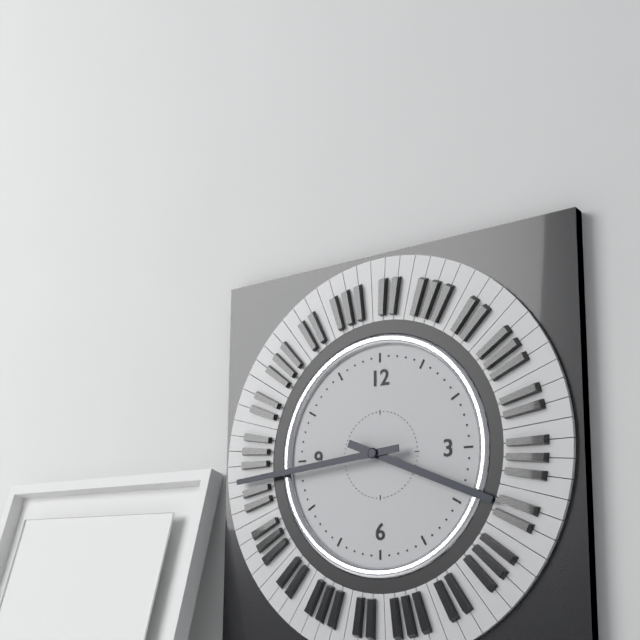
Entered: 3h44
